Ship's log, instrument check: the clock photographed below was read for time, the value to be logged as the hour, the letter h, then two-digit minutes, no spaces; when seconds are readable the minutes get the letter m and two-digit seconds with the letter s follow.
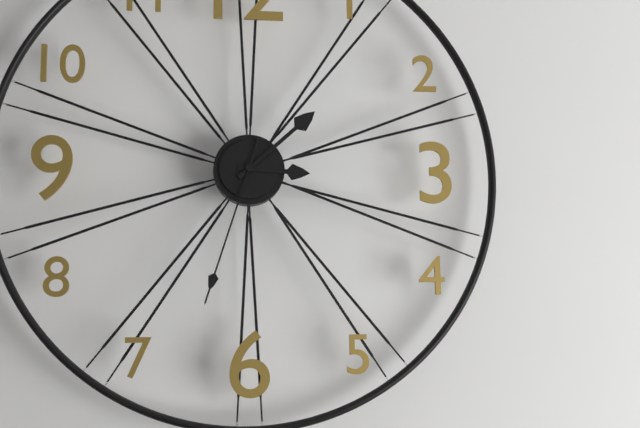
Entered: 3h08m33s
